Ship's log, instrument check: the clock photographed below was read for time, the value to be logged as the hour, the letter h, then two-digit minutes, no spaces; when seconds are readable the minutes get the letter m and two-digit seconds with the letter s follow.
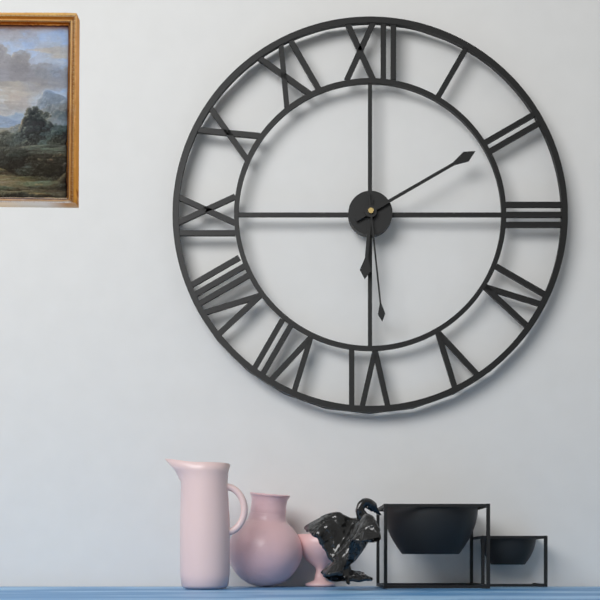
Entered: 6h10m29s
